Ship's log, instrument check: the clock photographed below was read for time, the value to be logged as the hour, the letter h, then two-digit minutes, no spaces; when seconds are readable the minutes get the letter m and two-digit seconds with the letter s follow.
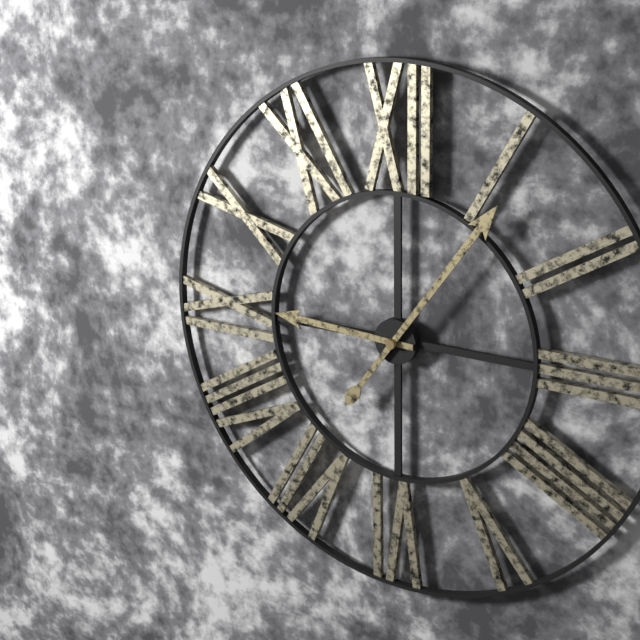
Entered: 9h06
